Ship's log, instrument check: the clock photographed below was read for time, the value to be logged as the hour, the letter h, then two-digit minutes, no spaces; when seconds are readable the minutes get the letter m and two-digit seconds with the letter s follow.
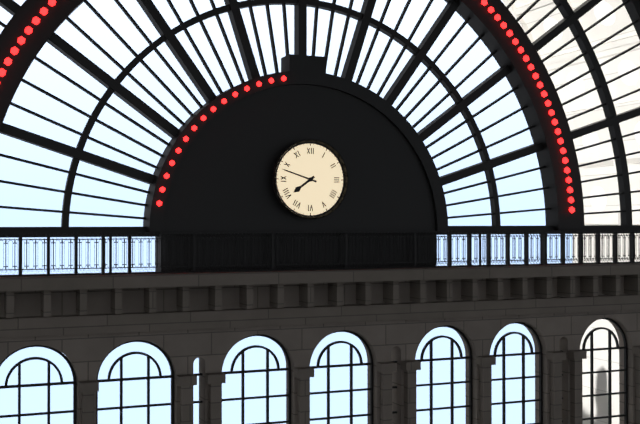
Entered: 7h48
